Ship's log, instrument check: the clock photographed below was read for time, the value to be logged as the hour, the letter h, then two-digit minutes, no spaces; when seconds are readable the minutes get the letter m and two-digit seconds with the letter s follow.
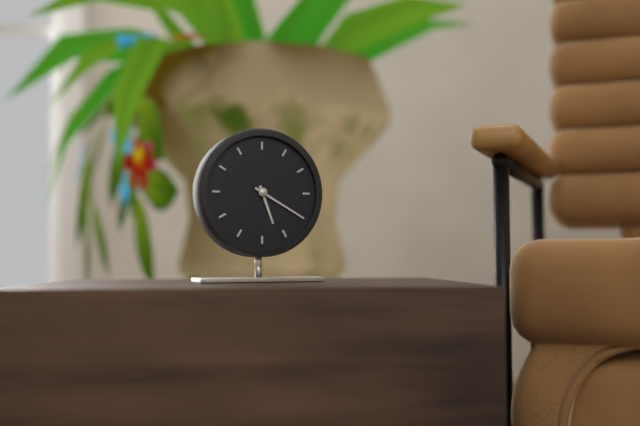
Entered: 5h20
